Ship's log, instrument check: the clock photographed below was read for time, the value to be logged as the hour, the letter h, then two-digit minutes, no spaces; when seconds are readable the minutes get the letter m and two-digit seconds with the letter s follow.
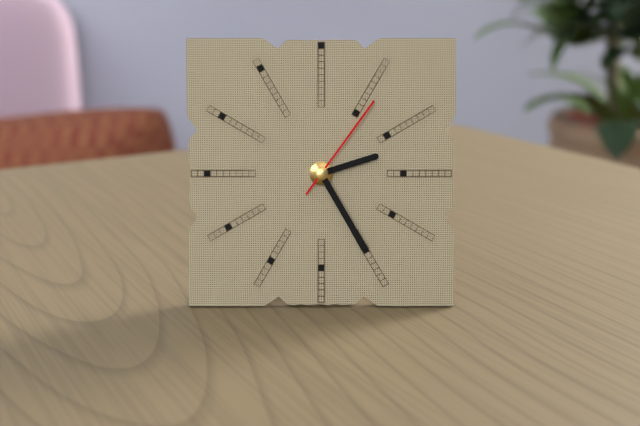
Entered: 2h25m06s
